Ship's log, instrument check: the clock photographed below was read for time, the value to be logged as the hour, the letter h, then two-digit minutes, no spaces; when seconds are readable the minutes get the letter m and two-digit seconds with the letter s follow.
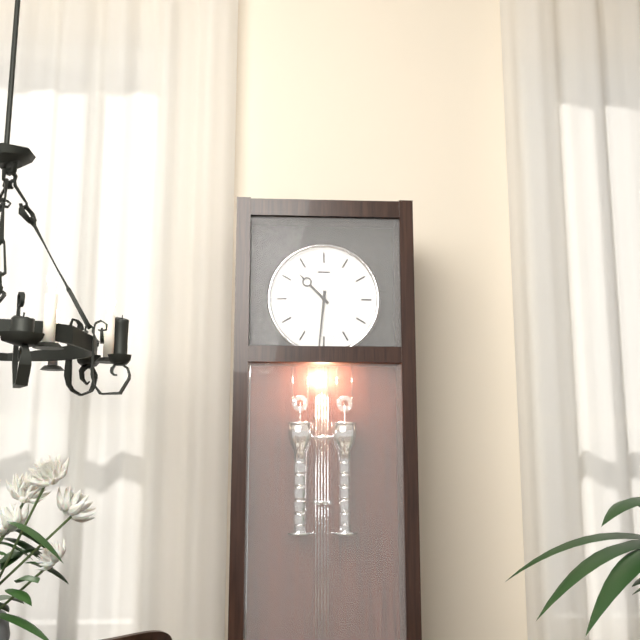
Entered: 10h31
